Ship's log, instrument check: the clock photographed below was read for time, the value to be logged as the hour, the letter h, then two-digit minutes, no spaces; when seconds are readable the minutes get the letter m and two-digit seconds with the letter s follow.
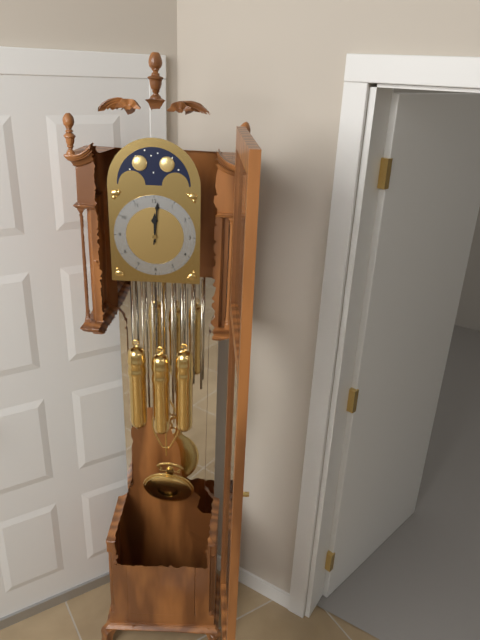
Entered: 12h01
